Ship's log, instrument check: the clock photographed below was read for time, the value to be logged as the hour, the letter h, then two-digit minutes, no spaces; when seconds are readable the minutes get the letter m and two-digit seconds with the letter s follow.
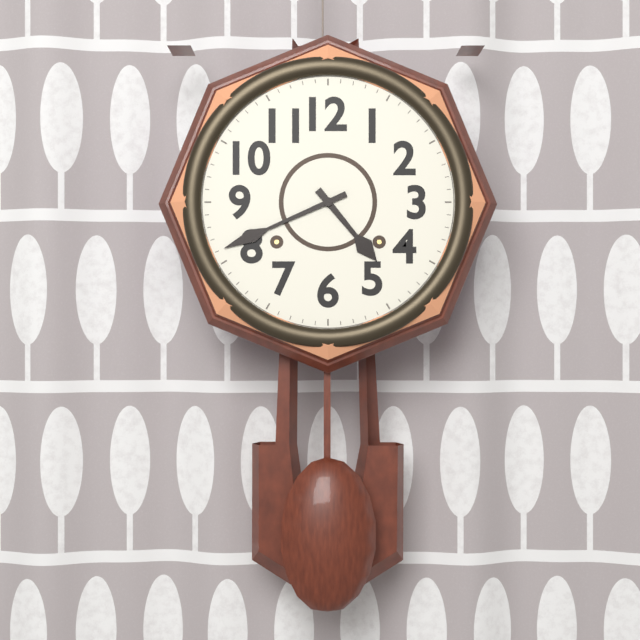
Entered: 4h41
